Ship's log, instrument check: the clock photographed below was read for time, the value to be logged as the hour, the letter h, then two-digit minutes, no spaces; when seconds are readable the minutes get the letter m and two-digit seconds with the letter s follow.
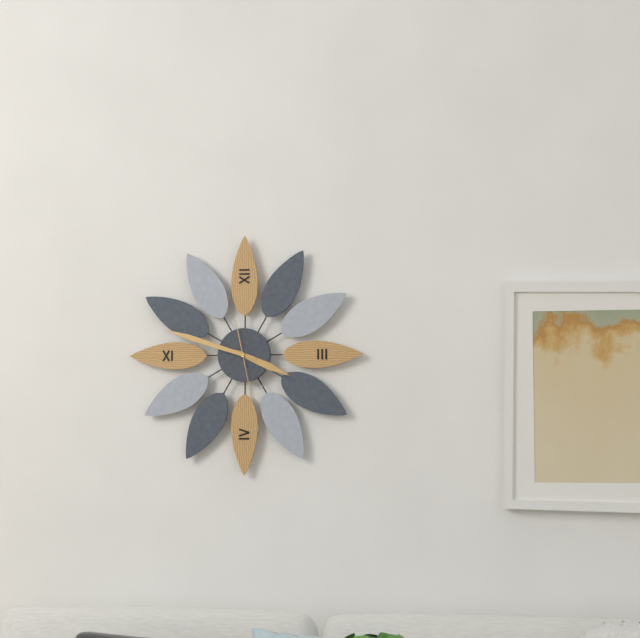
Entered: 3h48m28s
